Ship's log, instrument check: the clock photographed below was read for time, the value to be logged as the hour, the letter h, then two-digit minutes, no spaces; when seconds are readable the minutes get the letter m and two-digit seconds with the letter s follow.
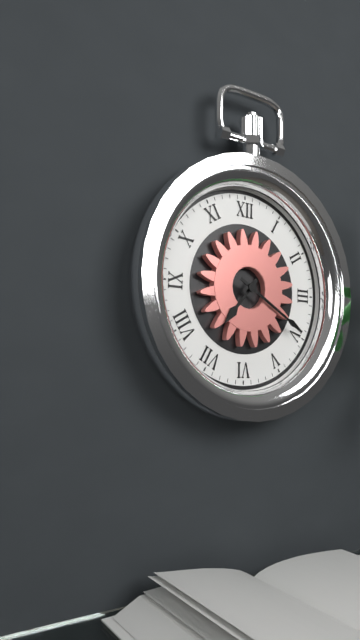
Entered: 7h20
